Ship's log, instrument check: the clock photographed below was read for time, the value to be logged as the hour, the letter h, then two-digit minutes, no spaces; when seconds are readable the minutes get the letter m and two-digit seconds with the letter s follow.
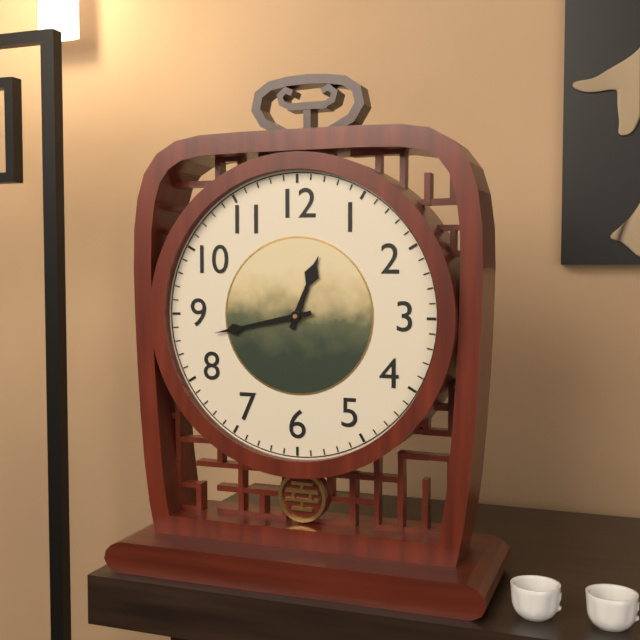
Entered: 12h43
